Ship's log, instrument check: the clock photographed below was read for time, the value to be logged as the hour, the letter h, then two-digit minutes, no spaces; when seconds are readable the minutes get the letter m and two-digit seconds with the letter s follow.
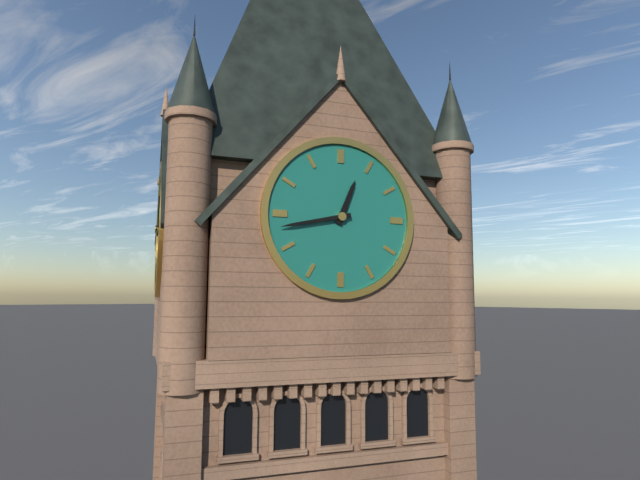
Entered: 12h43
